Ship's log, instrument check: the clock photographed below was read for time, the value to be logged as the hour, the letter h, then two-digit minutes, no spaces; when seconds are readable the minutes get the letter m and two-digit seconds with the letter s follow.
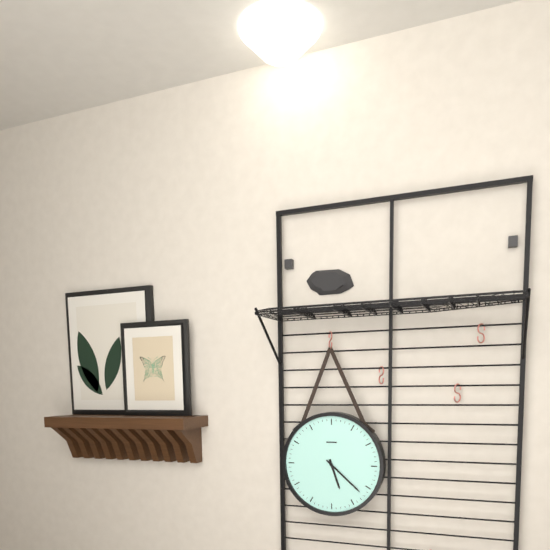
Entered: 5h22
